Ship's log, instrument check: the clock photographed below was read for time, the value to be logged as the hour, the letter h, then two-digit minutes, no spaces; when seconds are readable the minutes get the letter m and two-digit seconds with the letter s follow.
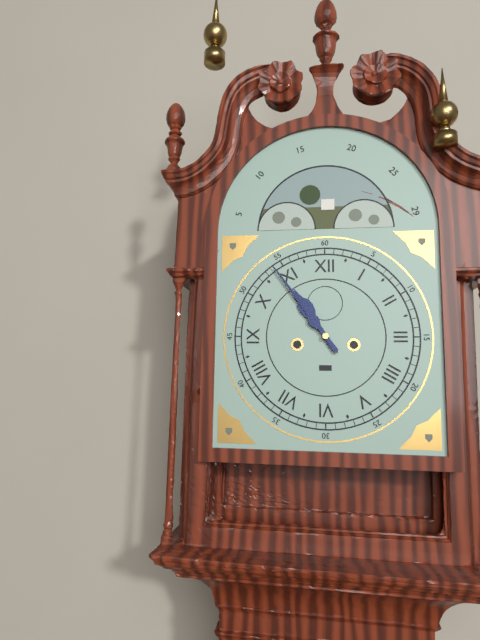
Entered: 10h54
